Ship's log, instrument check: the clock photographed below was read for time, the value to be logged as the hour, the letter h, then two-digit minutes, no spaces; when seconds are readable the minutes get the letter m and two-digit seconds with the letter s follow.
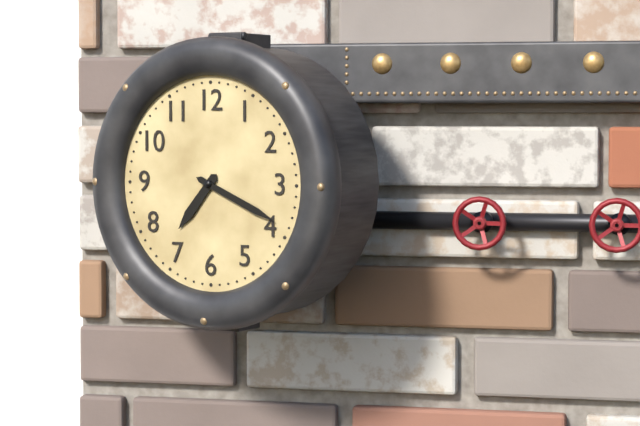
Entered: 7h19
